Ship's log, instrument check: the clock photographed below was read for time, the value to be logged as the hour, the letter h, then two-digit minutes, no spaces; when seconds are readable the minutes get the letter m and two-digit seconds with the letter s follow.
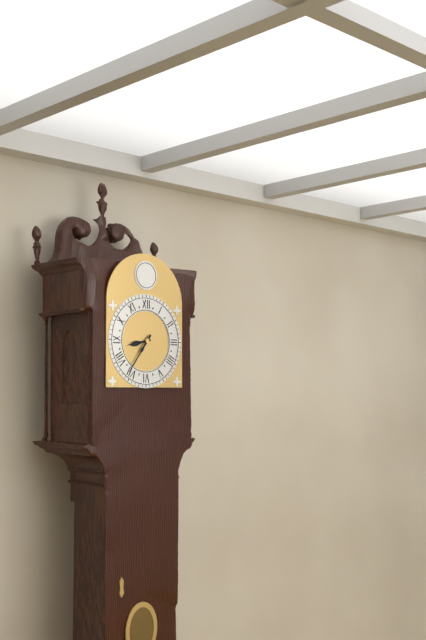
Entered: 8h36
